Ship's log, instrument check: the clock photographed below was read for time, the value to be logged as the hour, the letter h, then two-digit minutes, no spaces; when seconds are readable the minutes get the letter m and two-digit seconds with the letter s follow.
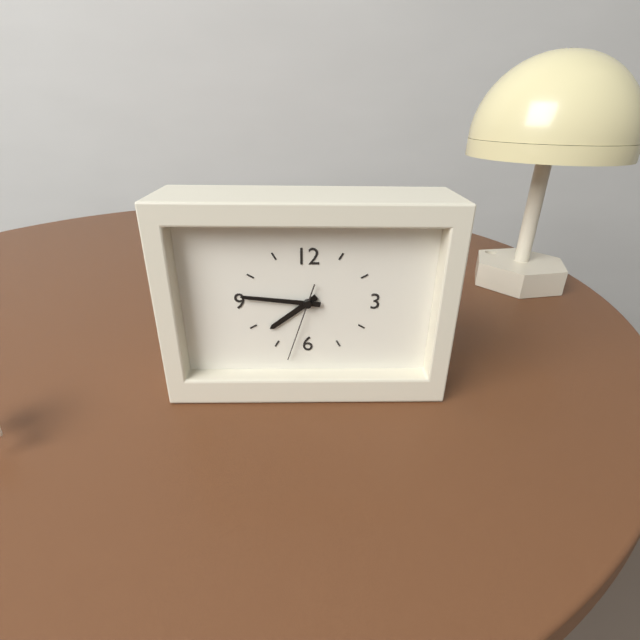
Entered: 7h46m33s
